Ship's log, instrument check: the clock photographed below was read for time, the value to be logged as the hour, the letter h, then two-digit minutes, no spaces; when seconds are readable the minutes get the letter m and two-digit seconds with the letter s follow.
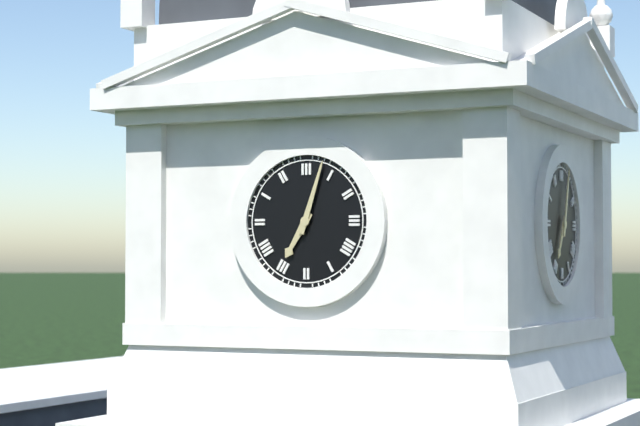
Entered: 7h03
